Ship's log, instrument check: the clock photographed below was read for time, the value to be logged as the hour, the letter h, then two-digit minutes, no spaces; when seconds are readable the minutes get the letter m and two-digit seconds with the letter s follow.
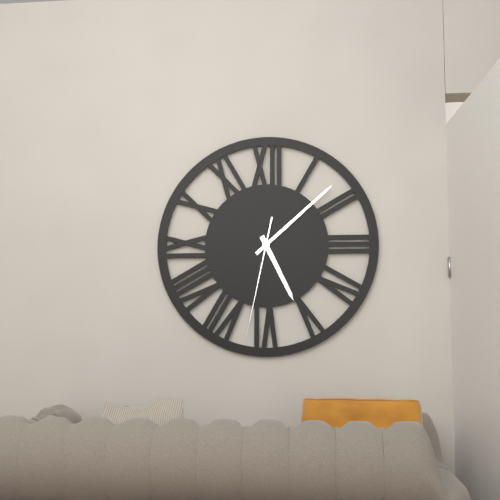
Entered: 5h08m32s
